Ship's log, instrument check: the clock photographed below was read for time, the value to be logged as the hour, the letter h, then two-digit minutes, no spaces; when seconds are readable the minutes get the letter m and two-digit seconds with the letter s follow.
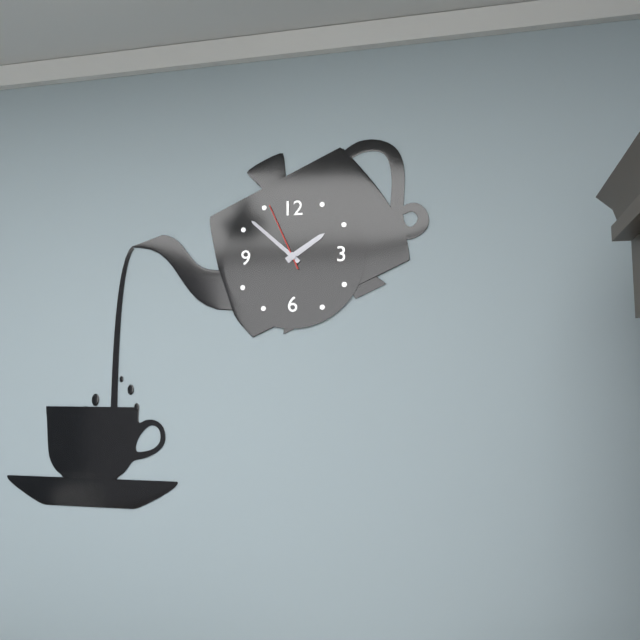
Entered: 1h52m56s
